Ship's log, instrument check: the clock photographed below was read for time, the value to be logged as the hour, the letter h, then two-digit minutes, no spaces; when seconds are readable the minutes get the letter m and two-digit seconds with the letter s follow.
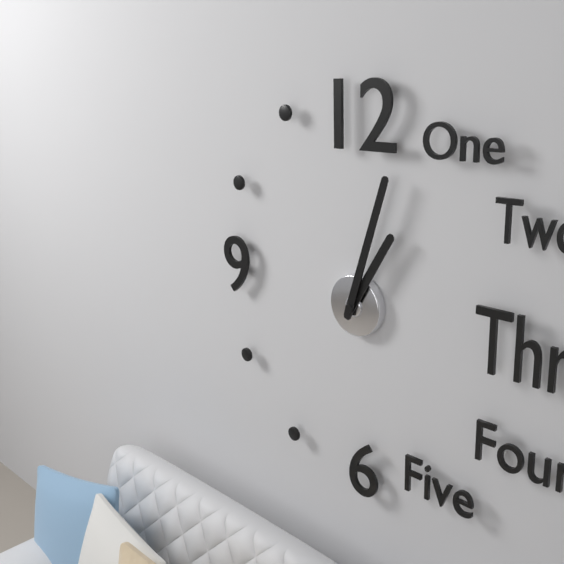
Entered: 1h03
